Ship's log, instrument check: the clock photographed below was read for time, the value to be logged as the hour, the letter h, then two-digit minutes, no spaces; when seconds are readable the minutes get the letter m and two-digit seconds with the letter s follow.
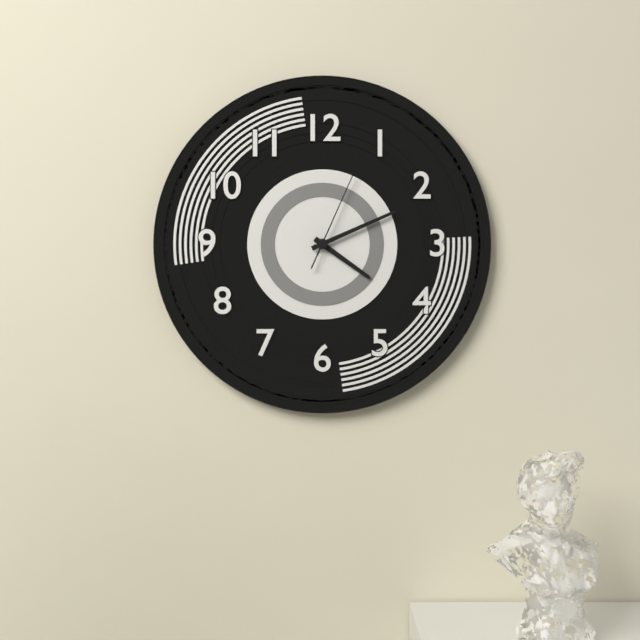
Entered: 4h11m04s
